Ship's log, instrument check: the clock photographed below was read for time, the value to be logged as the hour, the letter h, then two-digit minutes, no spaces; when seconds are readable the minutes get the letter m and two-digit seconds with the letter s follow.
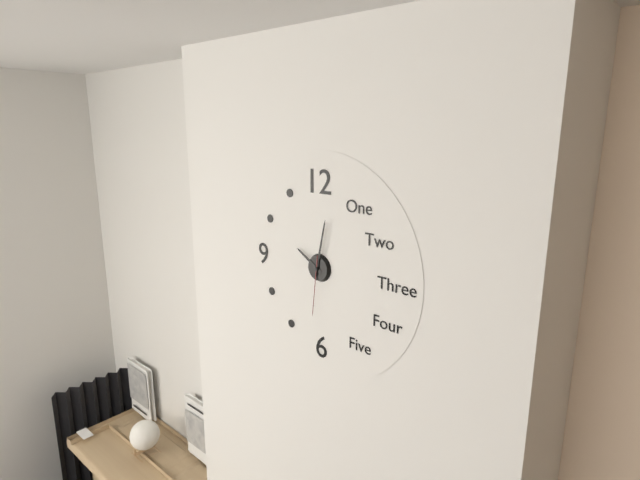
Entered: 10h02m31s
